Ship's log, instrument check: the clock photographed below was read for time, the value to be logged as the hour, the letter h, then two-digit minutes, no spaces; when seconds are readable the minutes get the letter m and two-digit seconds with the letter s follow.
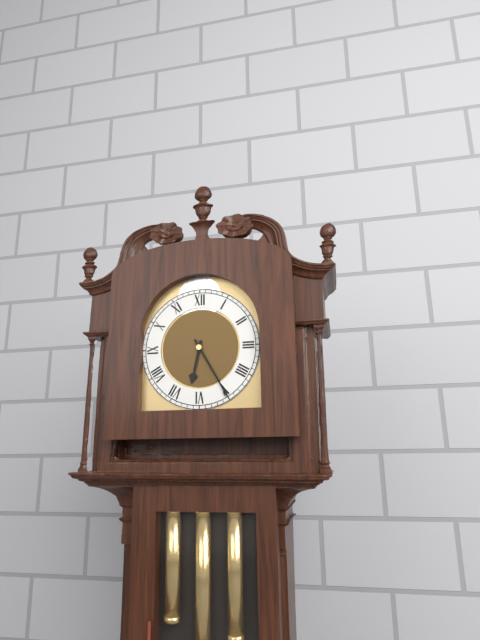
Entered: 6h25
